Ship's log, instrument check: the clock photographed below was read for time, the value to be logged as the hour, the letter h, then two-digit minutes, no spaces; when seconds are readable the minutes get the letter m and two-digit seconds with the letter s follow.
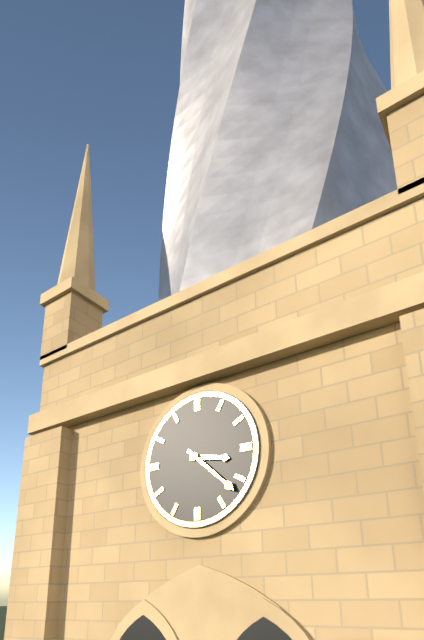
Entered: 3h22
